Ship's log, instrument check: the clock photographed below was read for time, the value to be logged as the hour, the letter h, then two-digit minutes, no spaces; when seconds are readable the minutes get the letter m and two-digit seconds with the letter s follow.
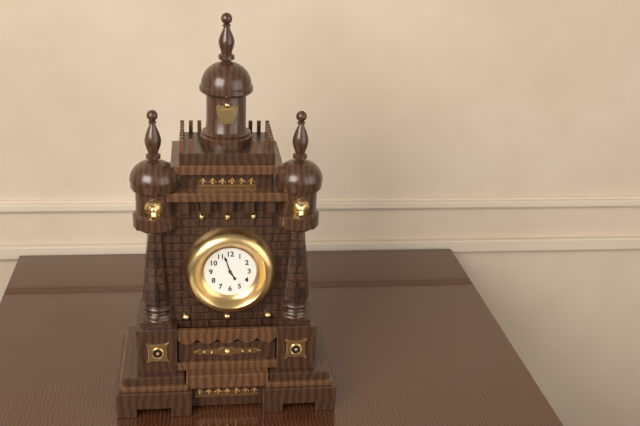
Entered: 4h57
